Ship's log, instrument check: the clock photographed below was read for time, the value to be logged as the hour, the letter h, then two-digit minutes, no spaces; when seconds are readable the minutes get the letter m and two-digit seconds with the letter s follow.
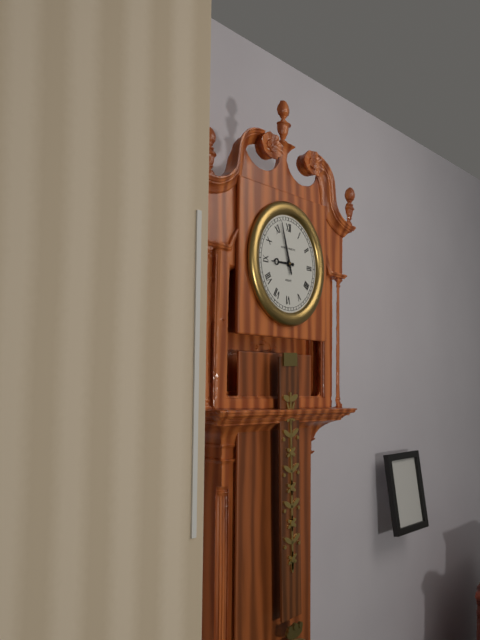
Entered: 8h57
